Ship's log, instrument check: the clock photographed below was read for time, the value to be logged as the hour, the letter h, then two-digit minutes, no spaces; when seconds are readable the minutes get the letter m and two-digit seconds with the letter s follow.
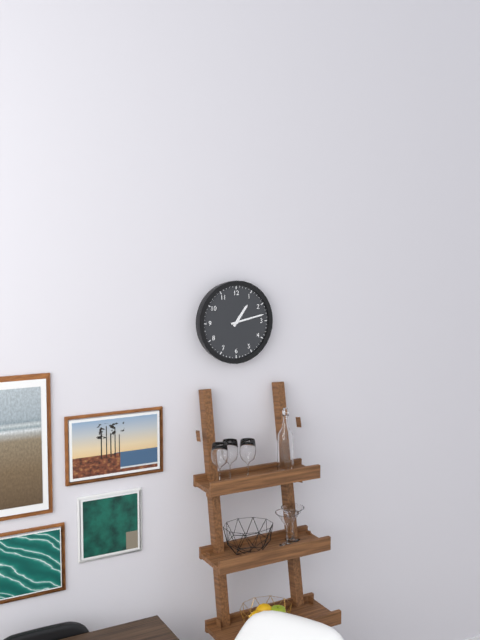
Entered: 1h13
